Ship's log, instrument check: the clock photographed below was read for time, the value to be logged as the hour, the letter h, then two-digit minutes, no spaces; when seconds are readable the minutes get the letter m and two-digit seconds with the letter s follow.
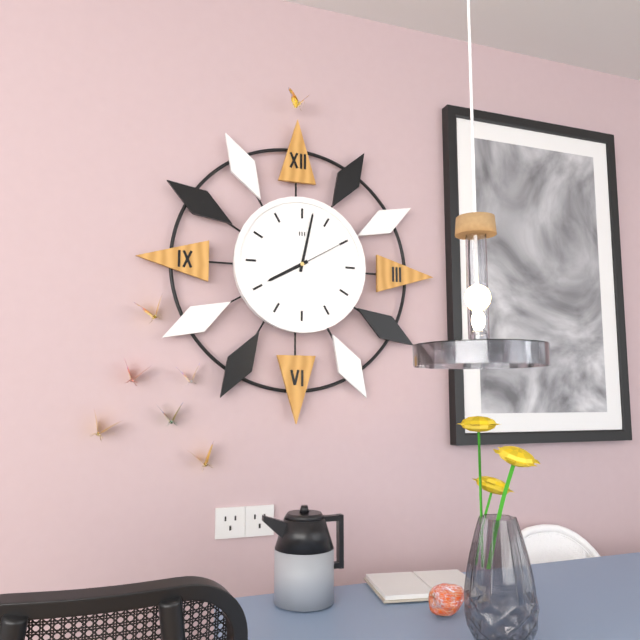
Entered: 8h02m10s
